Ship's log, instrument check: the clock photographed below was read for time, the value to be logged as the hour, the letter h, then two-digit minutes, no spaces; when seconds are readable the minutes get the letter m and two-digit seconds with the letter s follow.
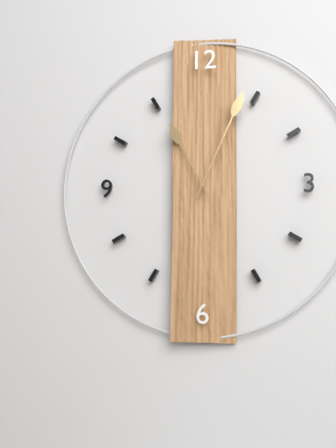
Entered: 11h04
